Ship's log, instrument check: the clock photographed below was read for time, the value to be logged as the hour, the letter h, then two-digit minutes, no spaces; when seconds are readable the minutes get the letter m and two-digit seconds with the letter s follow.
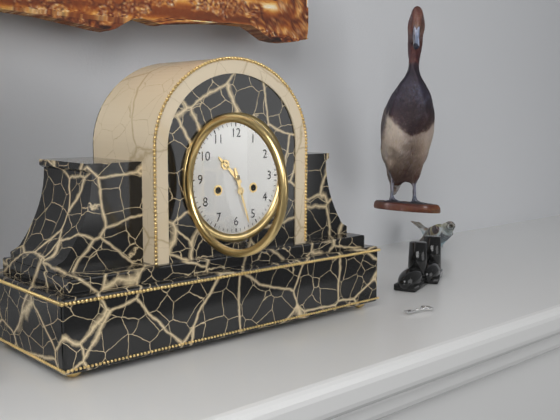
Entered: 10h27
